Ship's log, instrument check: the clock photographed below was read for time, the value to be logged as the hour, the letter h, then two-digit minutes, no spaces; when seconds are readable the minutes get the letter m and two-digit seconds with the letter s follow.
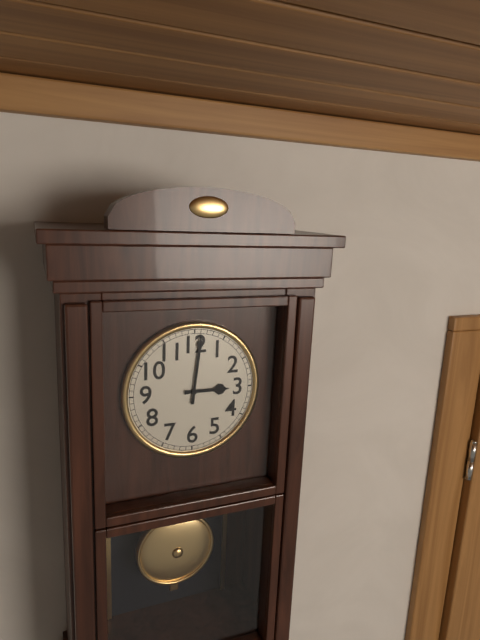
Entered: 3h01
